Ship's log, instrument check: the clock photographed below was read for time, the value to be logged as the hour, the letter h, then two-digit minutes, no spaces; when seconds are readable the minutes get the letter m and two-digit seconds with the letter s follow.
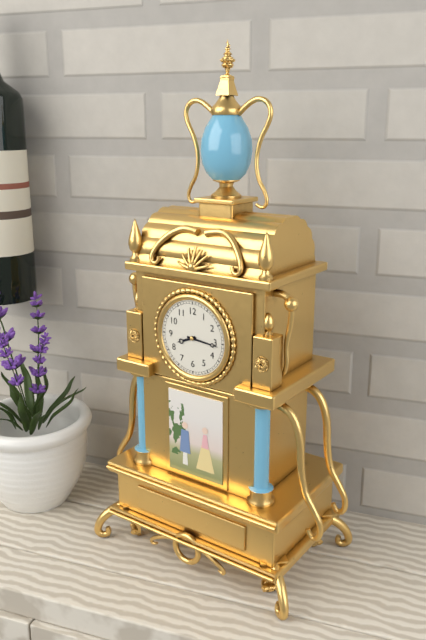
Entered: 8h16
